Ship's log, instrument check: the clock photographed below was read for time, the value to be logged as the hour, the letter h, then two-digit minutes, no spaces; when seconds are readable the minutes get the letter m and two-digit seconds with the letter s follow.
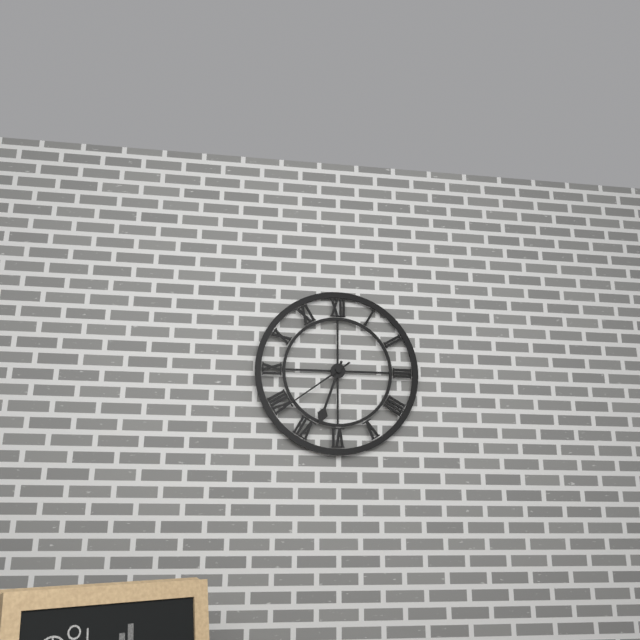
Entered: 6h39
